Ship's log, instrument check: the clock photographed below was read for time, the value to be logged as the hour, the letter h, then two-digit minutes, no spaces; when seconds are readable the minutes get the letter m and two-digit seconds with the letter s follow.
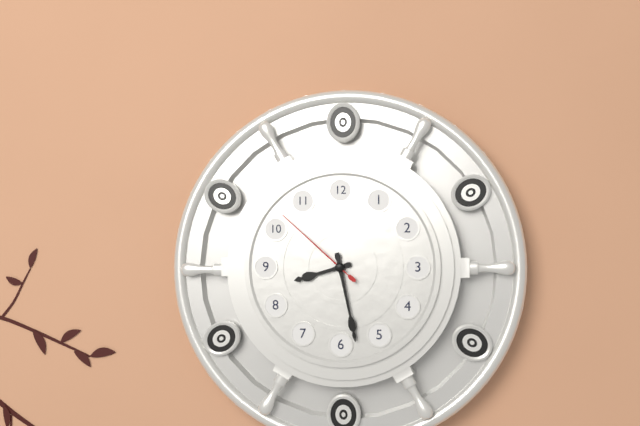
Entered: 8h28m52s
